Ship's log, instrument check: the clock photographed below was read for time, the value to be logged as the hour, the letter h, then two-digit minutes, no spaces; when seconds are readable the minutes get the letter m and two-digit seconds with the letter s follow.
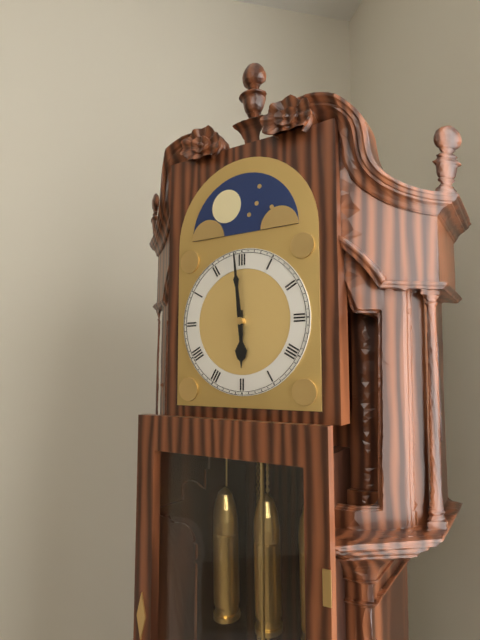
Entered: 5h59
